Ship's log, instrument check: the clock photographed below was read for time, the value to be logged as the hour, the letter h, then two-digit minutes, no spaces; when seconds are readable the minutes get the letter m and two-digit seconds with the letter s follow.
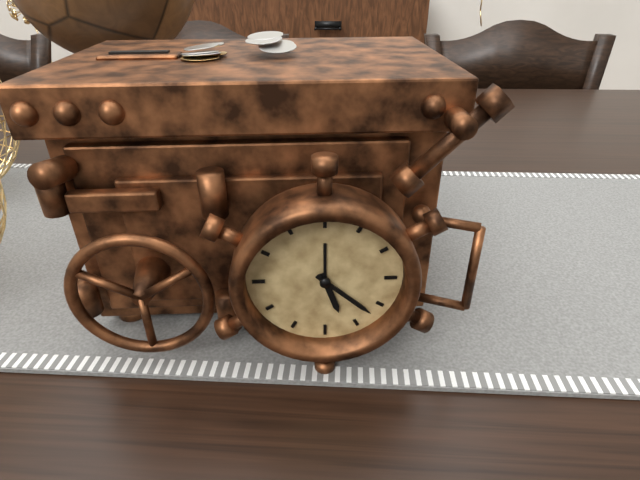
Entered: 5h22
